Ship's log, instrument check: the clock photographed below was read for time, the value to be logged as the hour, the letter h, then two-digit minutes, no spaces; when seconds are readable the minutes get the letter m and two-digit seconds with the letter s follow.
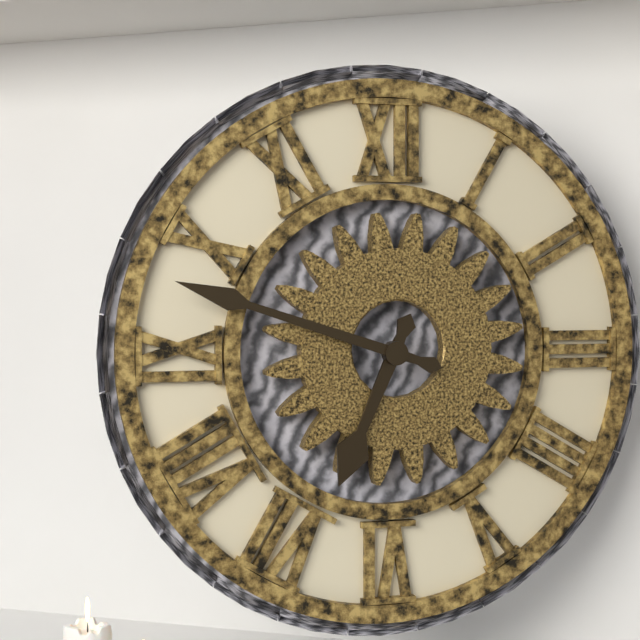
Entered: 6h48
